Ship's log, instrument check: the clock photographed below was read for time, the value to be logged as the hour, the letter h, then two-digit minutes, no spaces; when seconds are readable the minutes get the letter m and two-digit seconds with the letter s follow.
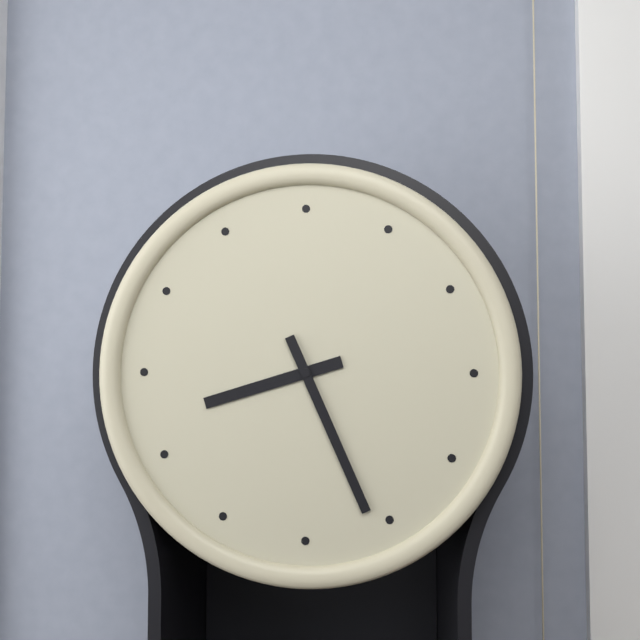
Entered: 8h26
